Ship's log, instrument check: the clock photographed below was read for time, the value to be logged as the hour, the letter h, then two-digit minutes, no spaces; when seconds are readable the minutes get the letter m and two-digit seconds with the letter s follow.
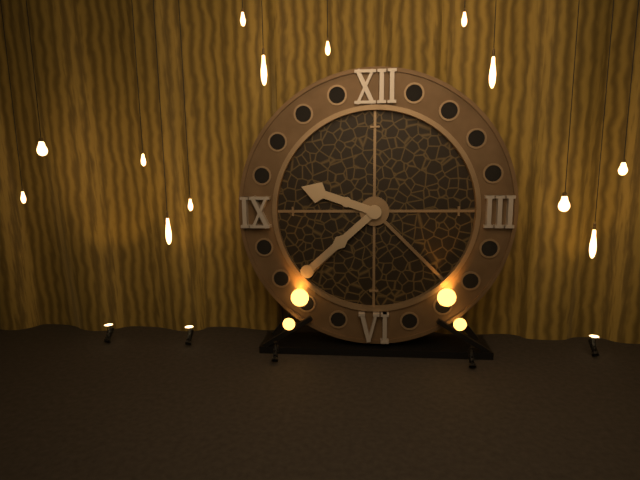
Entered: 9h38
